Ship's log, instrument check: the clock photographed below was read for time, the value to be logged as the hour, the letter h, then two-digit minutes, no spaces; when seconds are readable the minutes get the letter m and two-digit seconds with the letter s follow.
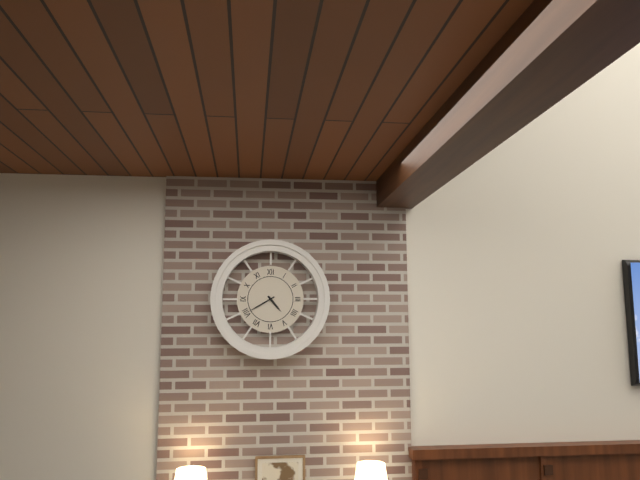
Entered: 4h40
